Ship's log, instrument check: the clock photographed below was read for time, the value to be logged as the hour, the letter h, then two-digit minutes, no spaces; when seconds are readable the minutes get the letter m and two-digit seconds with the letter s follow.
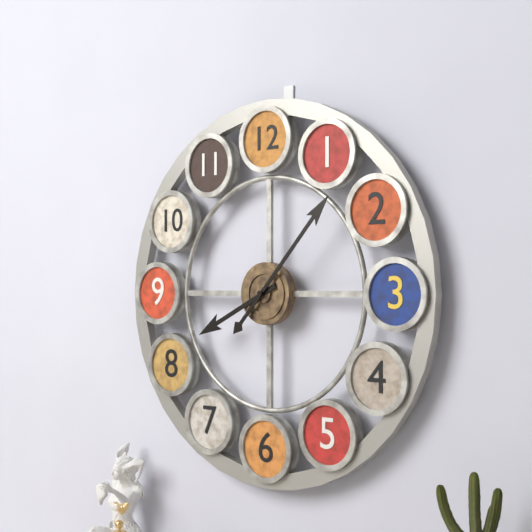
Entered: 8h07
